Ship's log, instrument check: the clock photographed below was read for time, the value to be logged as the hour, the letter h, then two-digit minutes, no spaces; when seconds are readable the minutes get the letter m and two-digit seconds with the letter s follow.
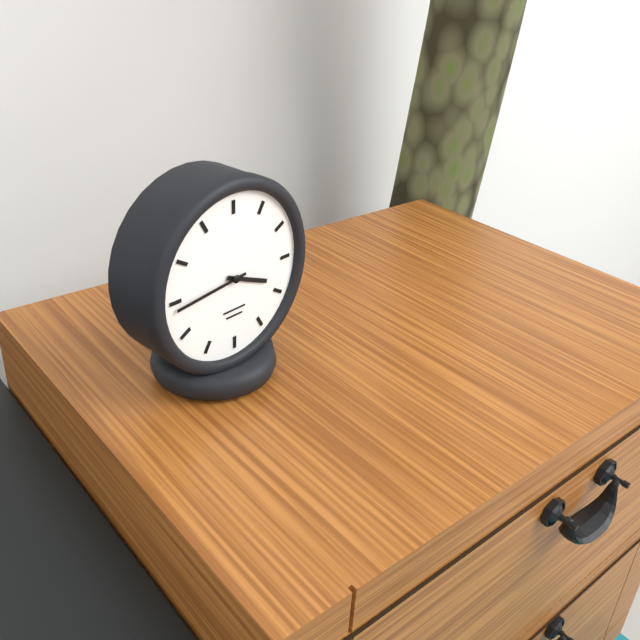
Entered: 3h44
